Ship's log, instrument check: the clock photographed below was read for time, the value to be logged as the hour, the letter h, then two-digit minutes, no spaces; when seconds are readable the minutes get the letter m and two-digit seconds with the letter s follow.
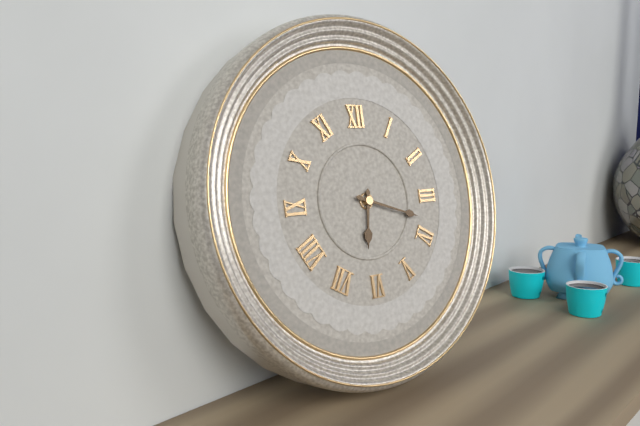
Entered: 6h18
